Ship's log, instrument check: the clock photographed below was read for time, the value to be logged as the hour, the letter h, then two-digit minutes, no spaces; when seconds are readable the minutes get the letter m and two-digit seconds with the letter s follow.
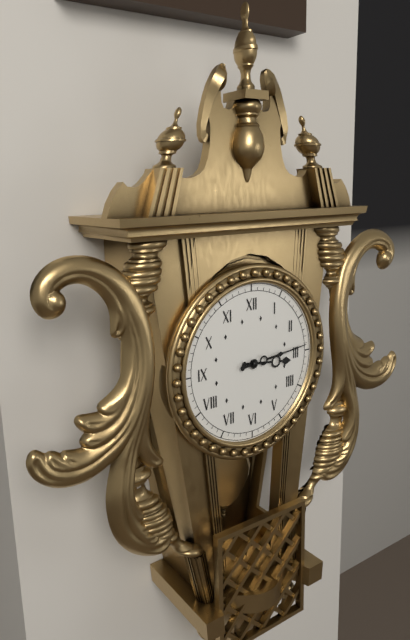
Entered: 3h14
